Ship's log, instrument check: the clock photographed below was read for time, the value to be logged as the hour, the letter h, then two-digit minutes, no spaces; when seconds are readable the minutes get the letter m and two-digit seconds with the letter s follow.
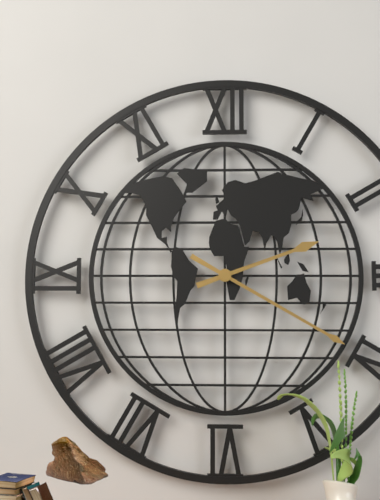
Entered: 2h20
